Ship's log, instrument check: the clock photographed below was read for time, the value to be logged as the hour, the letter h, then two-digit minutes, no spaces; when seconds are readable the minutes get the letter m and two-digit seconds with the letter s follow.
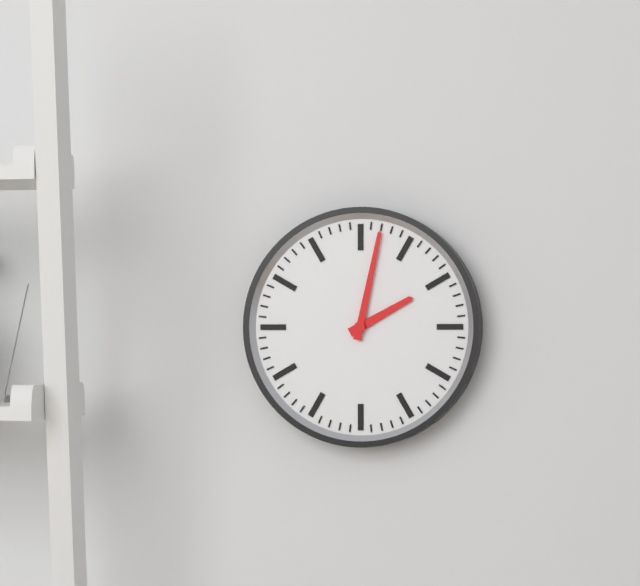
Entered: 2h02
